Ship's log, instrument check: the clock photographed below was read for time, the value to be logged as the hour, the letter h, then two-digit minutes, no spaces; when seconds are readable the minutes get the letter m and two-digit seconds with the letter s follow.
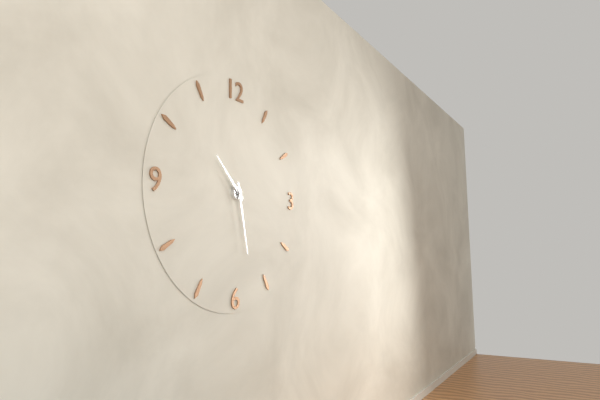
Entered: 10h28
